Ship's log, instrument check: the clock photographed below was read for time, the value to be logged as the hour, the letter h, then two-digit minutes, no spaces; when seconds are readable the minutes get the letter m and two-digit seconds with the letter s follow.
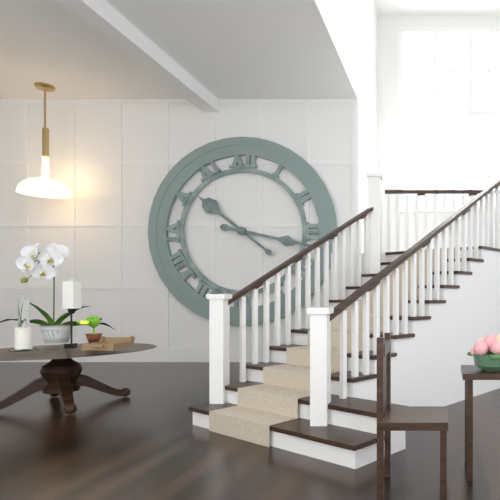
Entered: 10h17
